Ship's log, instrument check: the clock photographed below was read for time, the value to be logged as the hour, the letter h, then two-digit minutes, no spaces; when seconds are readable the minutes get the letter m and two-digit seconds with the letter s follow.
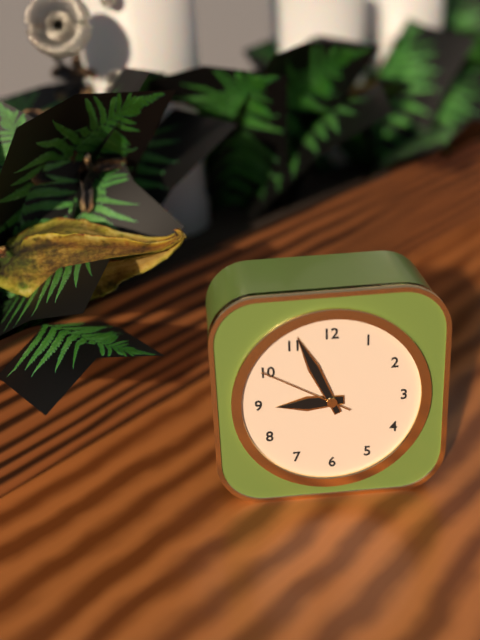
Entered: 8h56m50s
